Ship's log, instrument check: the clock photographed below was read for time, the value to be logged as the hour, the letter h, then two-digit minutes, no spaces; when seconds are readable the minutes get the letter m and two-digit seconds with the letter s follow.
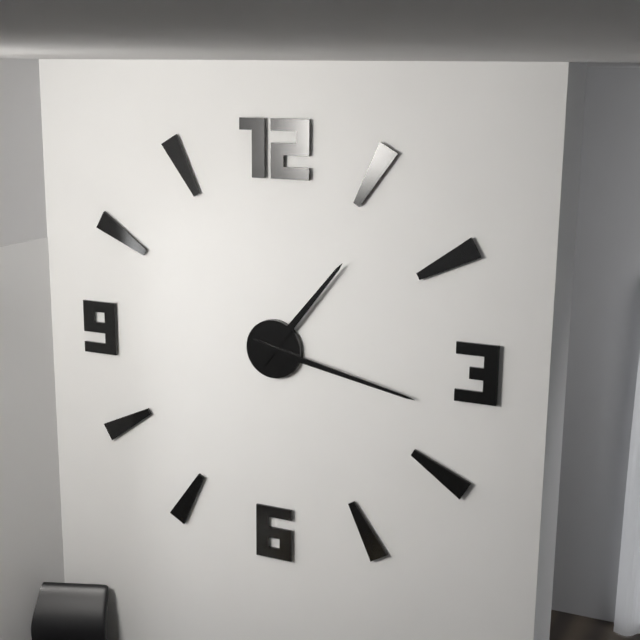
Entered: 1h17
